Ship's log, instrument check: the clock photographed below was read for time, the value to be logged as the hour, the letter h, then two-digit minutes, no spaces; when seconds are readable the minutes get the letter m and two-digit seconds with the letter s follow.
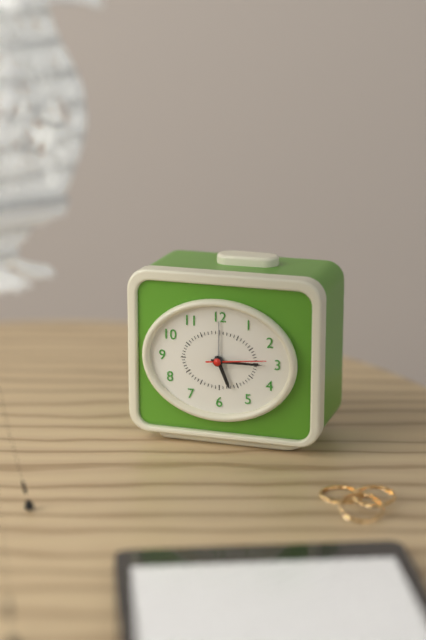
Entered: 5h15
